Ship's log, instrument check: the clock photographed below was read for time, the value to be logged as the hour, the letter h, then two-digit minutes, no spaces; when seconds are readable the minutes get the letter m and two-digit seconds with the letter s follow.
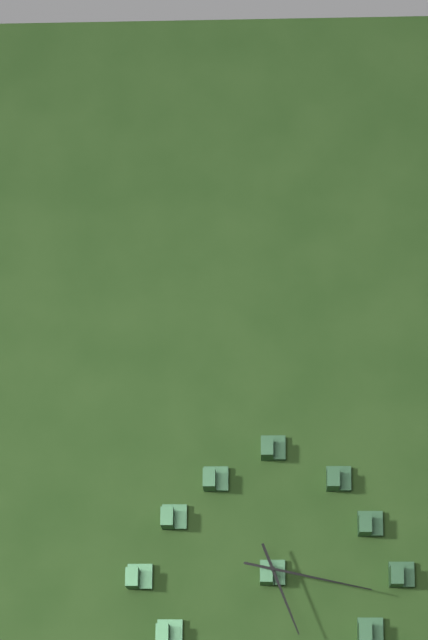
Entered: 5h17
